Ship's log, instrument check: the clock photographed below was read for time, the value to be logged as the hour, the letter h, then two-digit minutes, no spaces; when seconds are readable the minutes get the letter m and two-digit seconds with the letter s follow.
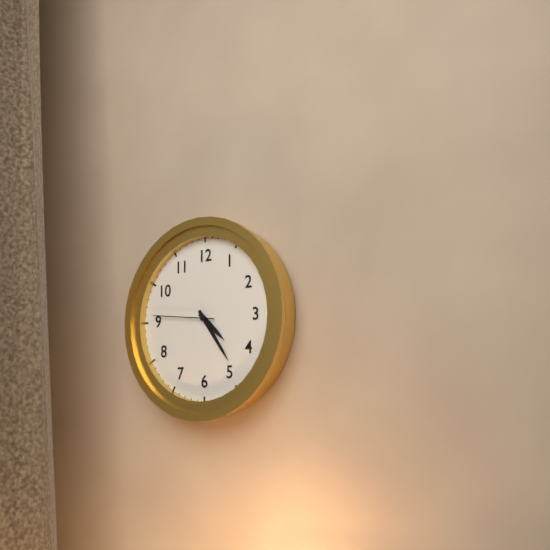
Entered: 4h24m46s
